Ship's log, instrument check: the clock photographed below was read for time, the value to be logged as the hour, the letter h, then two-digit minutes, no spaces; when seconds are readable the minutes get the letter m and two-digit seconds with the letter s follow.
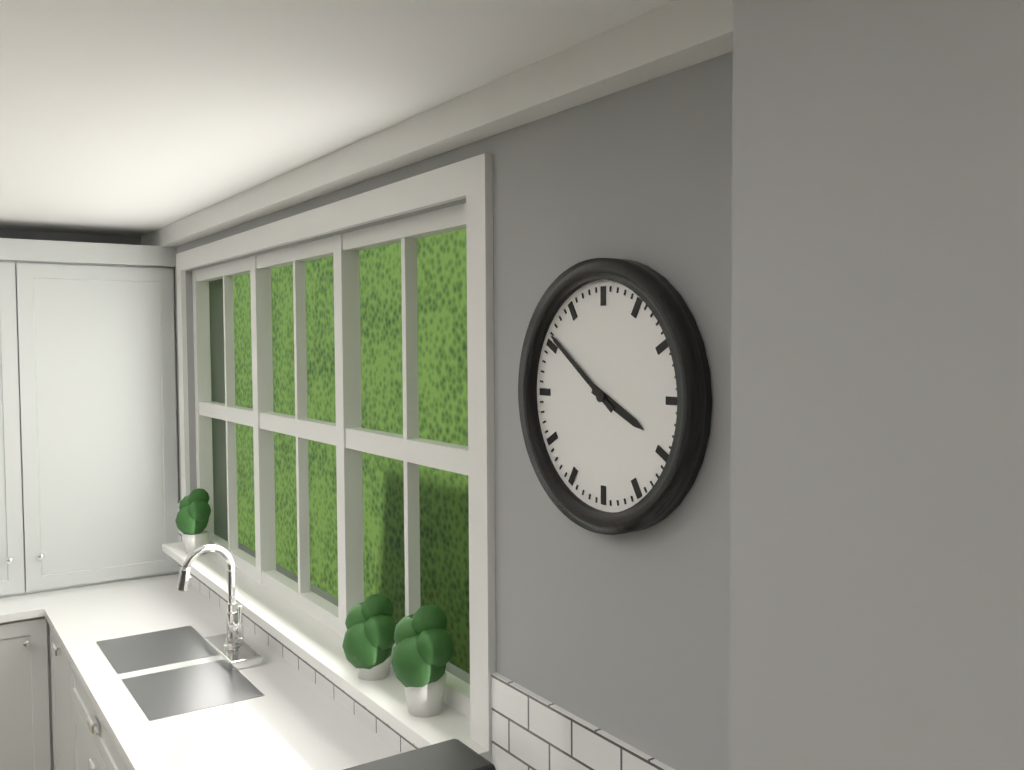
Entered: 3h51
